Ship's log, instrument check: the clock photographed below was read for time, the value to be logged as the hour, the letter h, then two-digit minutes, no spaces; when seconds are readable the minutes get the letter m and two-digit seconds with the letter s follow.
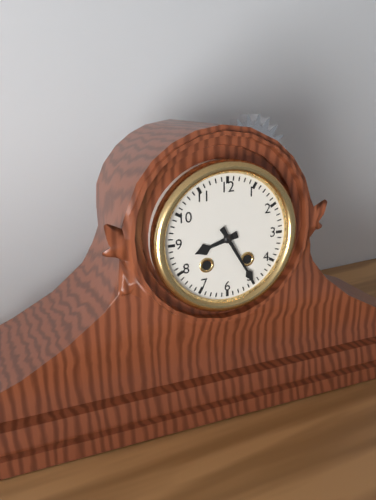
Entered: 8h25
